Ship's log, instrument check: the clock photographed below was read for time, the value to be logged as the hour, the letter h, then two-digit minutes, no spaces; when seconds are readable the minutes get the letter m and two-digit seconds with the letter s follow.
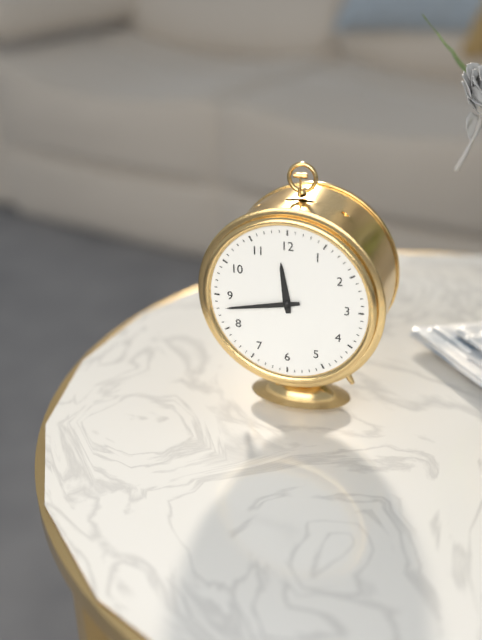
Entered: 11h43
